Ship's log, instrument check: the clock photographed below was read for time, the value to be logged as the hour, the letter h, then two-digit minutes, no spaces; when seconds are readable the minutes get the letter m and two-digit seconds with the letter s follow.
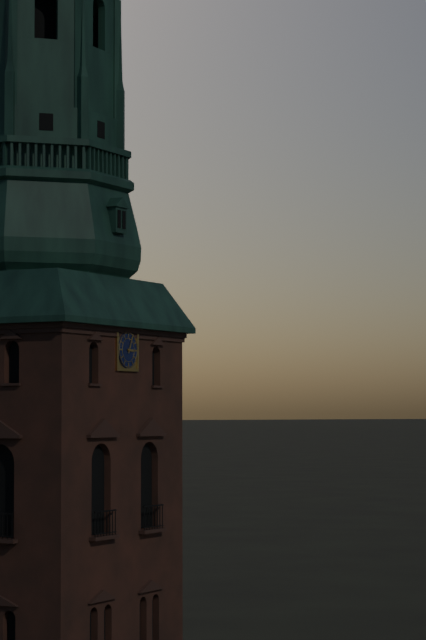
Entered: 3h04
